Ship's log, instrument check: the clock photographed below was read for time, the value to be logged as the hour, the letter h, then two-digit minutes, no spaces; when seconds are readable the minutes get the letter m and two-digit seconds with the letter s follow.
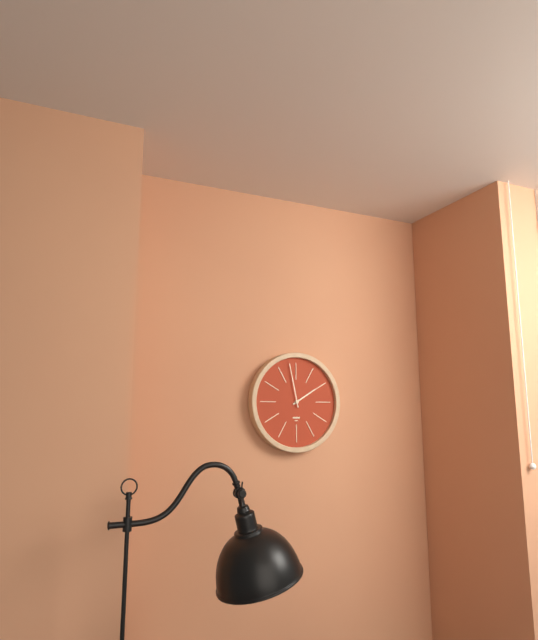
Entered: 1h58
